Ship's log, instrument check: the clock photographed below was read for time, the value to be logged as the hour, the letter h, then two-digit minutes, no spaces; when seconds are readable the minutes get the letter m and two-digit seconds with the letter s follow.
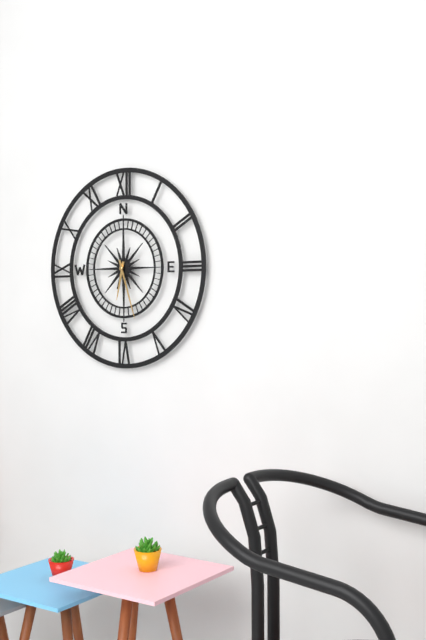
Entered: 6h27
